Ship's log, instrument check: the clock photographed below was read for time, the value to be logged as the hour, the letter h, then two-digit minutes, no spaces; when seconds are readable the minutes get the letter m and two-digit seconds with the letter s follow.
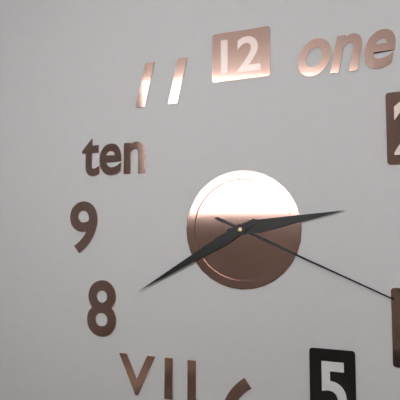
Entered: 2h40m19s
